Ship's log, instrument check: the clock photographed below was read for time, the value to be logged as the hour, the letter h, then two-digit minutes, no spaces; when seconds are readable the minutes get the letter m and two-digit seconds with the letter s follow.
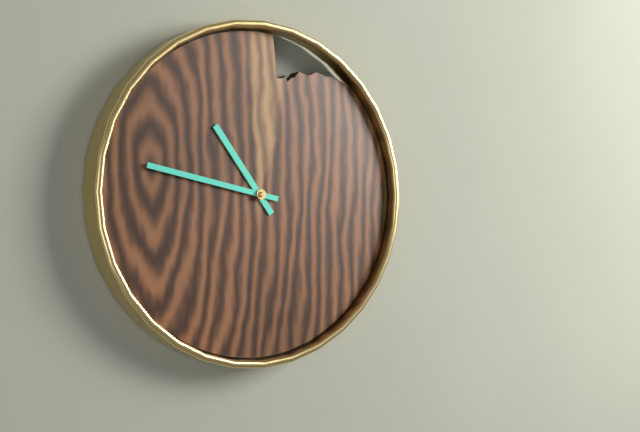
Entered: 10h47
